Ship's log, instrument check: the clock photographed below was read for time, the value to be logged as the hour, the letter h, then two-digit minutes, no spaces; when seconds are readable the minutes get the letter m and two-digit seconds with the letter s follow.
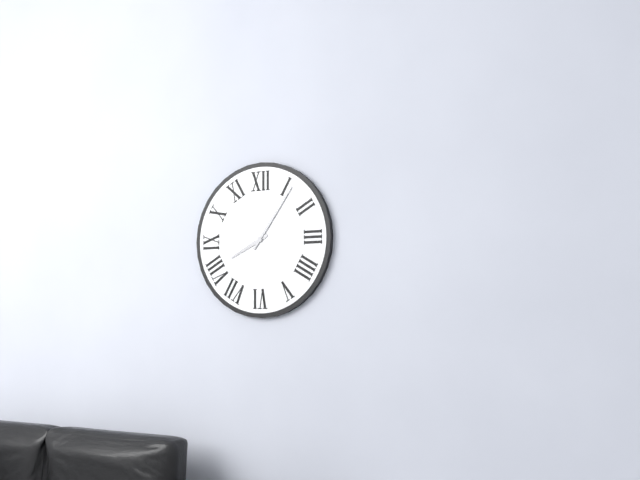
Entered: 8h06
